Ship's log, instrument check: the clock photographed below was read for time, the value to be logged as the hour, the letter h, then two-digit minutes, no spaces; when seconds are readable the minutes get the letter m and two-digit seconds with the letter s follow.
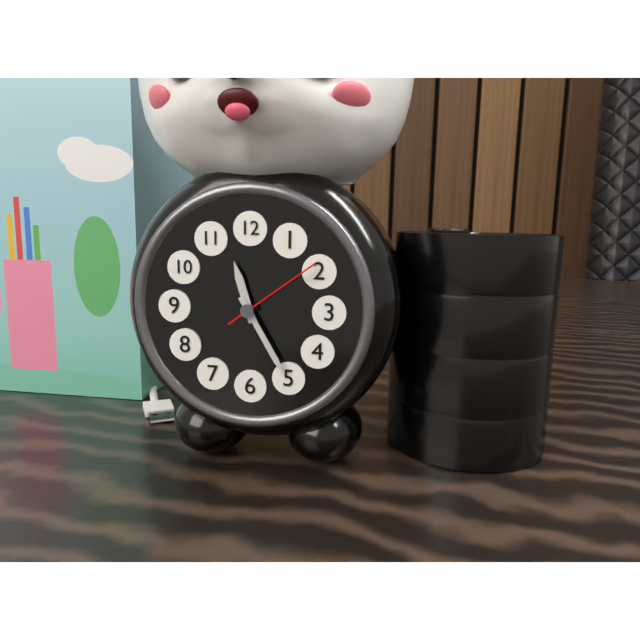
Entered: 11h25m09s
